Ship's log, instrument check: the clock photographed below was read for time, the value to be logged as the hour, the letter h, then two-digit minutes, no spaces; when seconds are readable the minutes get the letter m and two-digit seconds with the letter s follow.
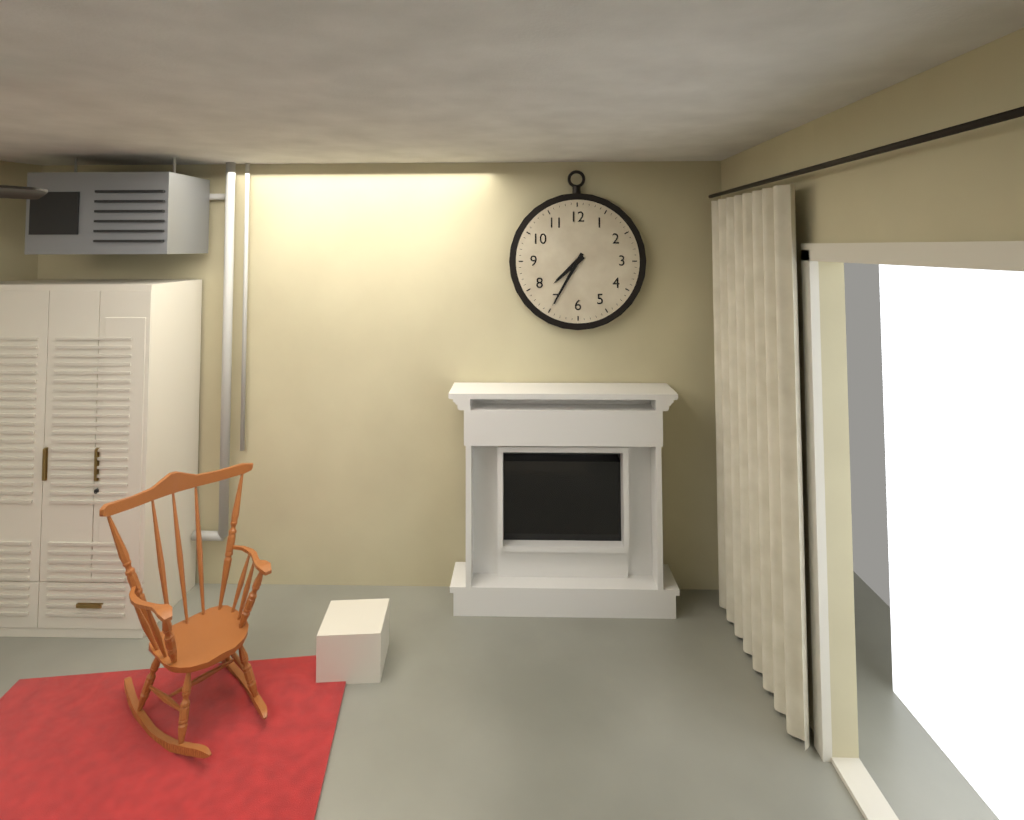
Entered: 7h35
